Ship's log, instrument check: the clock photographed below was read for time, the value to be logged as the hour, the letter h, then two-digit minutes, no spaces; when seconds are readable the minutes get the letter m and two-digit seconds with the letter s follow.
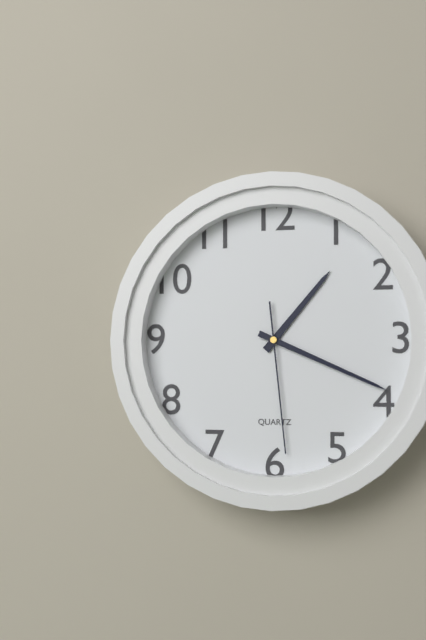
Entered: 1h19m29s
